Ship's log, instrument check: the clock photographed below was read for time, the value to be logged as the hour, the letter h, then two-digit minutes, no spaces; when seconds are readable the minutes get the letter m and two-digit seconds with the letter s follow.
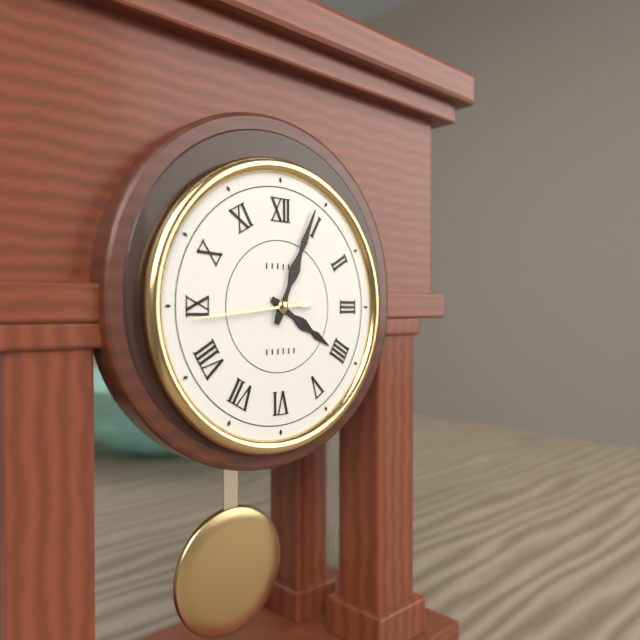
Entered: 4h04m44s
